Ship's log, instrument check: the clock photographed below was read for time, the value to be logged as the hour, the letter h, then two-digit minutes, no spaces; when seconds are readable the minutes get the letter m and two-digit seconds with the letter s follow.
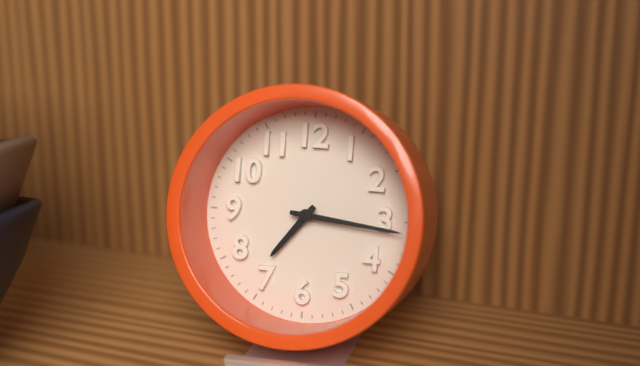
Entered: 7h16
